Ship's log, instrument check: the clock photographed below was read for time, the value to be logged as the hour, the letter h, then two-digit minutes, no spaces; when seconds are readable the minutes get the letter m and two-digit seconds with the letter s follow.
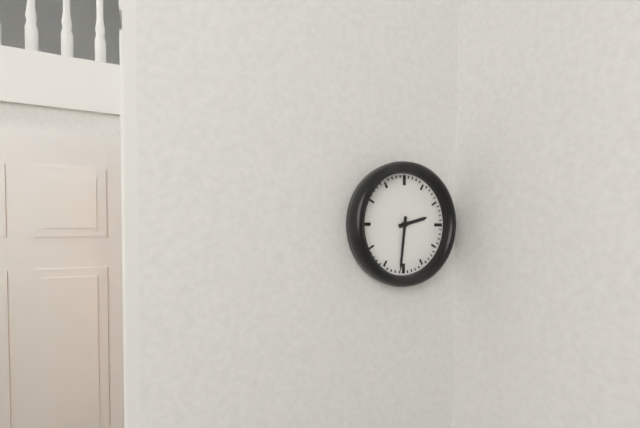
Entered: 2h31
